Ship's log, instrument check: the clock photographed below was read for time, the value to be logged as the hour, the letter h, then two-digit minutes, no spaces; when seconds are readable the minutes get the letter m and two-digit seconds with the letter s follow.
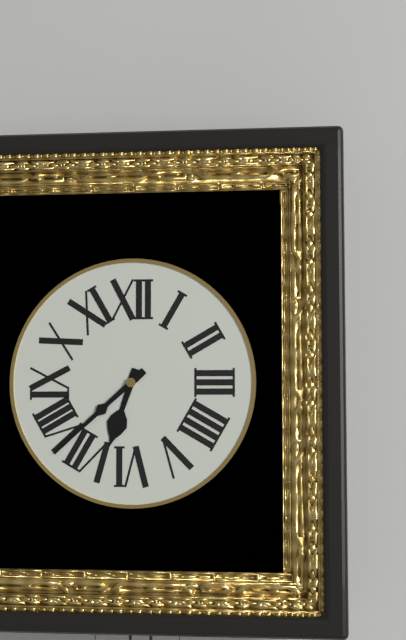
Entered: 6h38
